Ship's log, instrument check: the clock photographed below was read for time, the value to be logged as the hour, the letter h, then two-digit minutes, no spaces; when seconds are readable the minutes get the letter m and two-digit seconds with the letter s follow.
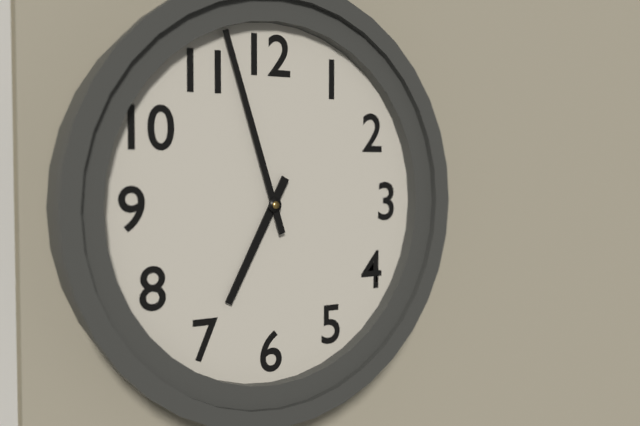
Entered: 6h57
